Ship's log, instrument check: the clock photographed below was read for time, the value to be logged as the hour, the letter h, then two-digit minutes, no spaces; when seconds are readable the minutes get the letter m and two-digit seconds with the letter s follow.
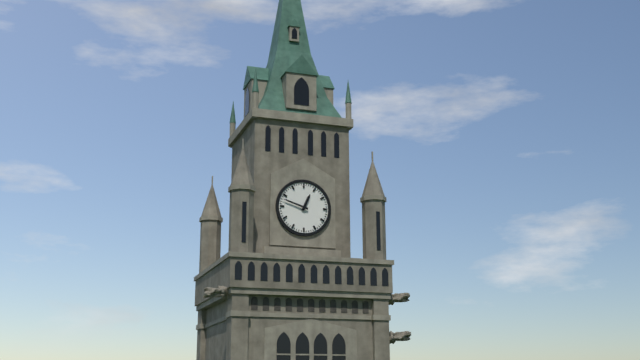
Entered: 12h48
